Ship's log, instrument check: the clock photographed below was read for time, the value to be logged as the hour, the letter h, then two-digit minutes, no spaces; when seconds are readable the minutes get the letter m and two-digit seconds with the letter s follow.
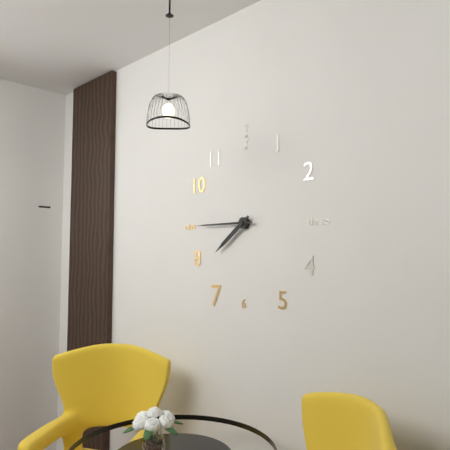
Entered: 7h45
